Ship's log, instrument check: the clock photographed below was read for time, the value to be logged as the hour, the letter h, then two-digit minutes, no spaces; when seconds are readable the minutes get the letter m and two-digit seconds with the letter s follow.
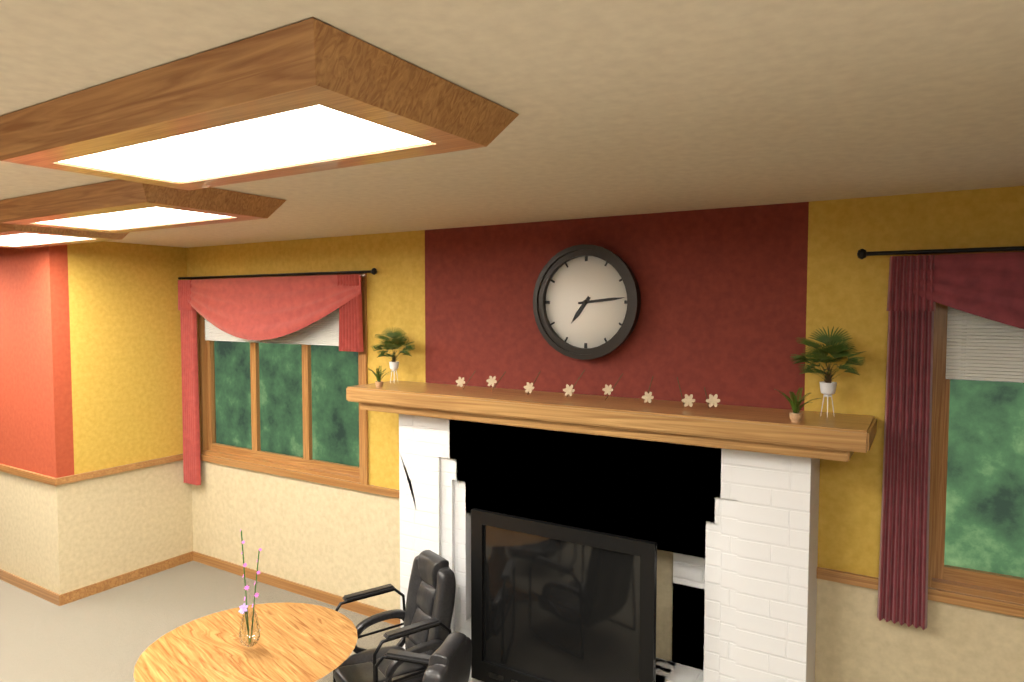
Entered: 7h14
